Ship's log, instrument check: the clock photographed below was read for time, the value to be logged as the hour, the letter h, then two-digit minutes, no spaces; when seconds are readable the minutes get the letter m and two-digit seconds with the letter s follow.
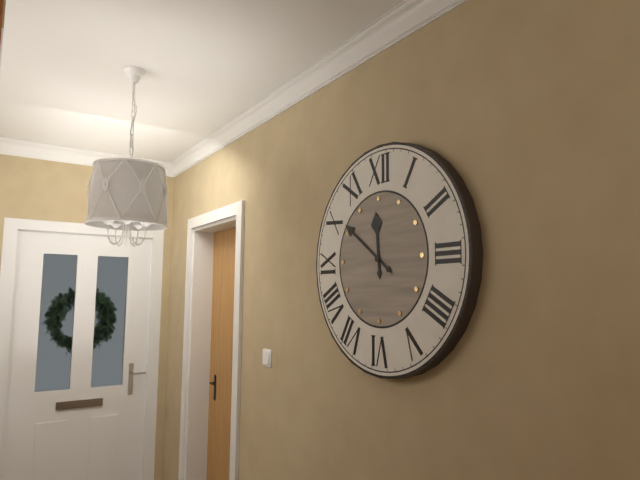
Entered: 11h51
